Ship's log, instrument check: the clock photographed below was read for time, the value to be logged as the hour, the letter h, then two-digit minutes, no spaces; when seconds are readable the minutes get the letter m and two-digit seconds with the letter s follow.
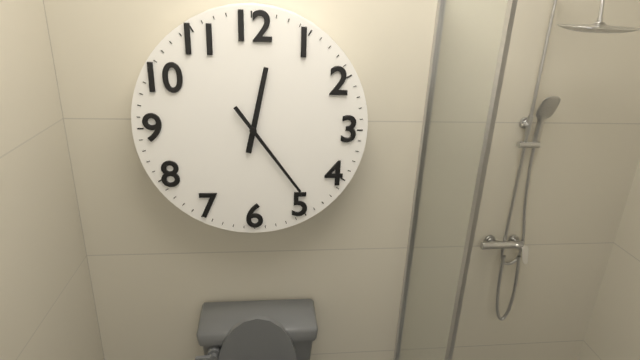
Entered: 12h24
